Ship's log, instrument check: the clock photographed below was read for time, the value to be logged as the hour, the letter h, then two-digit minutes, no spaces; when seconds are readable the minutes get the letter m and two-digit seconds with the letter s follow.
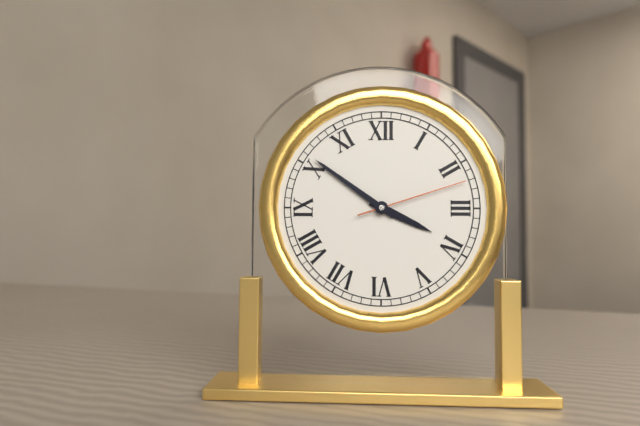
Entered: 3h51m12s
